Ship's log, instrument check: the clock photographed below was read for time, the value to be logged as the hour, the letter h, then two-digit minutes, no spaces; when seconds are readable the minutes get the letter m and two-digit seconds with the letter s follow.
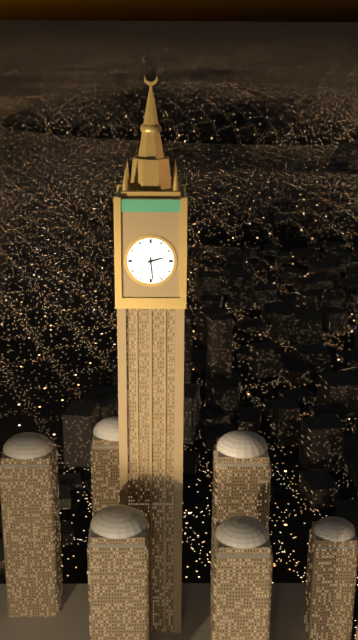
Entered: 2h29
